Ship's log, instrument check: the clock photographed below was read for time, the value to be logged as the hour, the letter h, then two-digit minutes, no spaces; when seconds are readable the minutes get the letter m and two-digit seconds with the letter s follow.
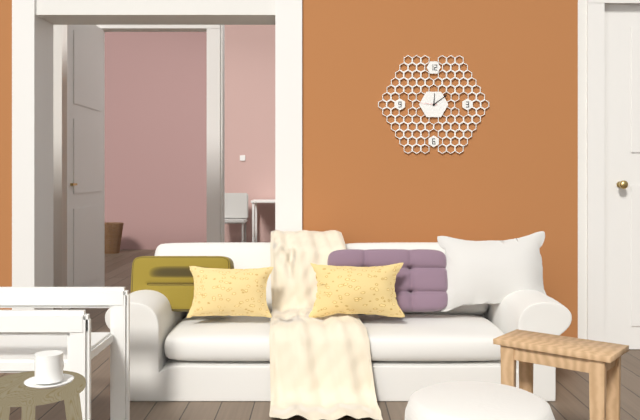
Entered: 12h09
